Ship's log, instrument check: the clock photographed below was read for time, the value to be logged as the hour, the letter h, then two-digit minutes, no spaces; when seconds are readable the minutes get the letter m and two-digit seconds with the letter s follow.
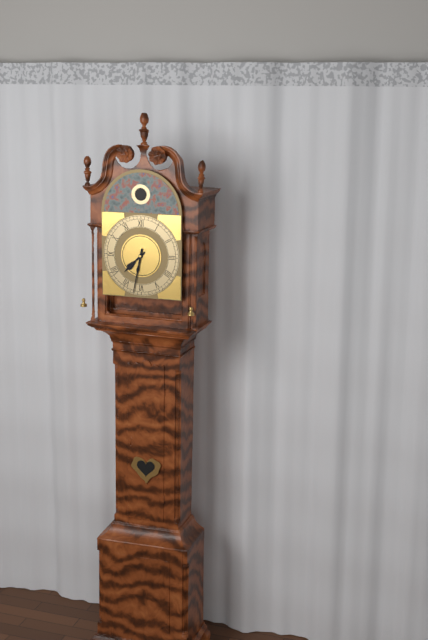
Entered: 7h32
